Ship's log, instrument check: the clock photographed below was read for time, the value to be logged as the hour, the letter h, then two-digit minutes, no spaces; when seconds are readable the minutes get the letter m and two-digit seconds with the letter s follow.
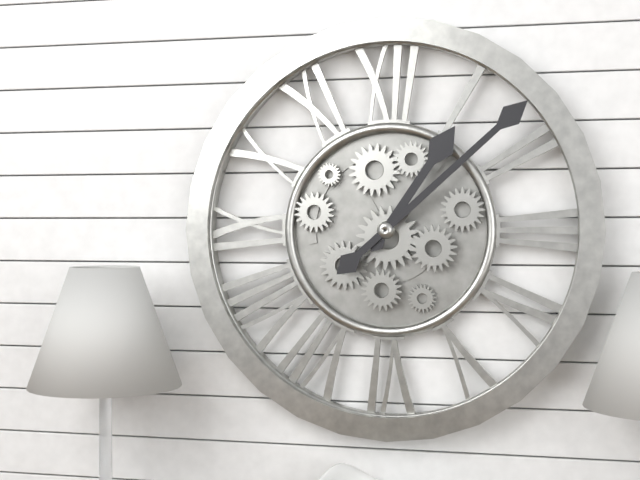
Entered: 1h08
